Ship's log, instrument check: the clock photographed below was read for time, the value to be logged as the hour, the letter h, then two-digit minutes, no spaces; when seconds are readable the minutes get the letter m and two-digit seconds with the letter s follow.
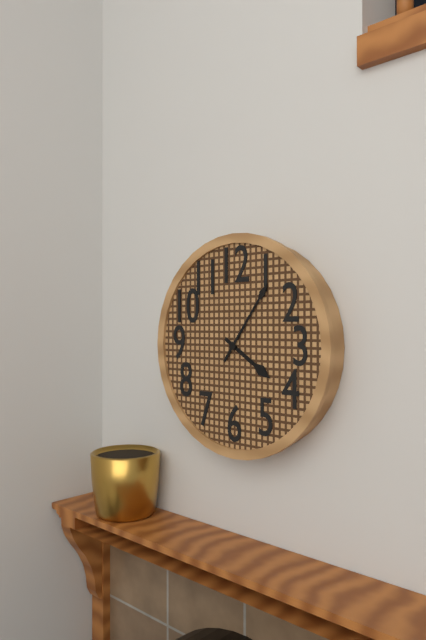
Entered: 4h06
